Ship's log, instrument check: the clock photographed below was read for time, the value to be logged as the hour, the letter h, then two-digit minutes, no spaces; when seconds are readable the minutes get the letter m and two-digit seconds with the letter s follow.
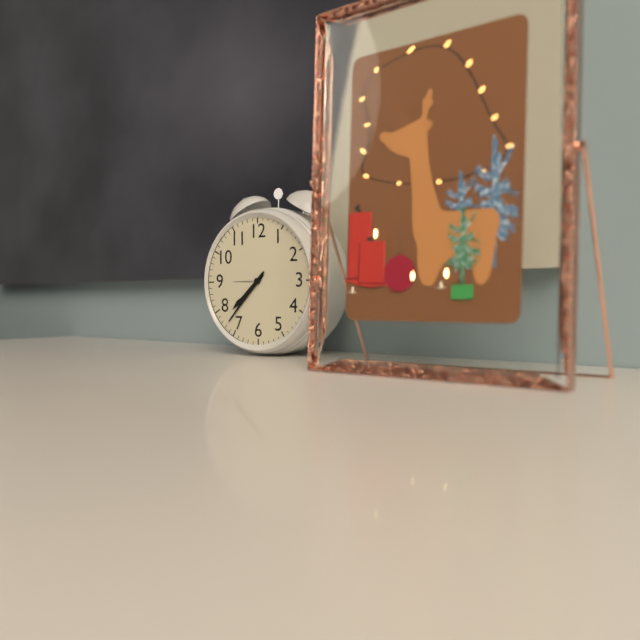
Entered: 7h37
